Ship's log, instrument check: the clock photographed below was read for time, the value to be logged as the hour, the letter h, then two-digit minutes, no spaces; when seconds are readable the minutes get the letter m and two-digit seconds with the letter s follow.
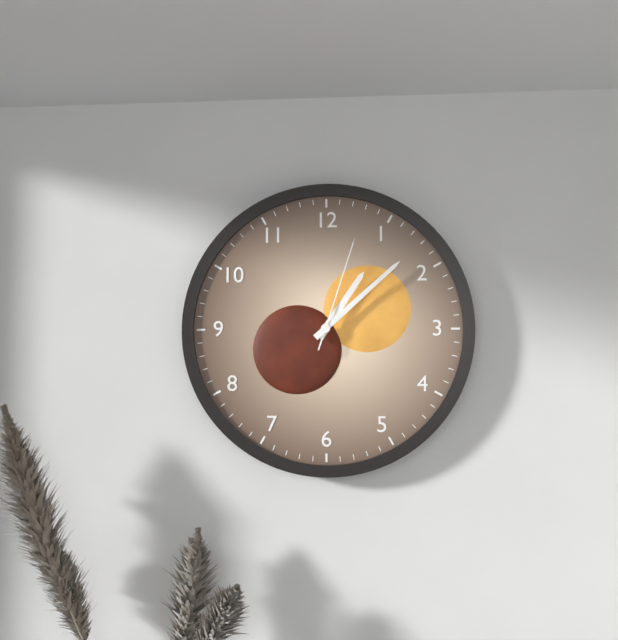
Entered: 1h08m03s
